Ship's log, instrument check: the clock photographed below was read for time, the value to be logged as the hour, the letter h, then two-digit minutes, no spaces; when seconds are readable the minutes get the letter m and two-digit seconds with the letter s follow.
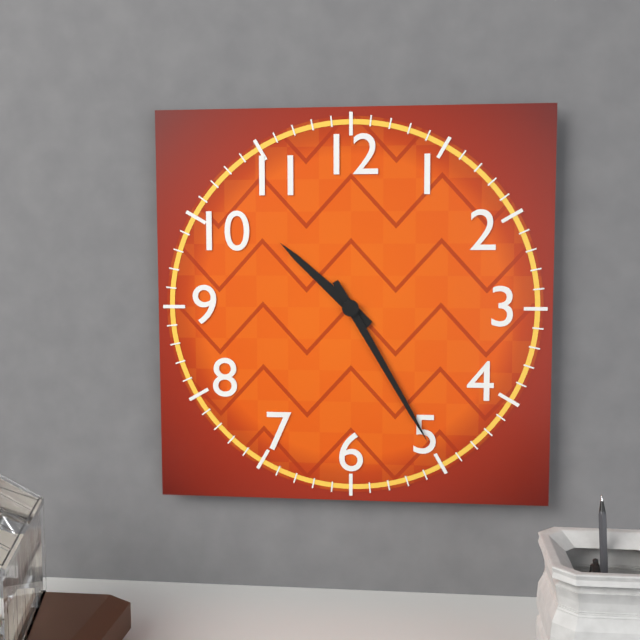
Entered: 10h25
